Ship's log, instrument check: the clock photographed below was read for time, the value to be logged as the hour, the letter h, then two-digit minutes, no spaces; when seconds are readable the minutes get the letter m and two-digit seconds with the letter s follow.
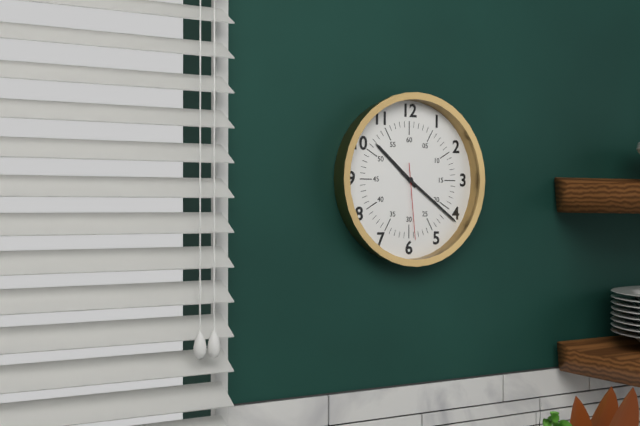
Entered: 10h21m29s
